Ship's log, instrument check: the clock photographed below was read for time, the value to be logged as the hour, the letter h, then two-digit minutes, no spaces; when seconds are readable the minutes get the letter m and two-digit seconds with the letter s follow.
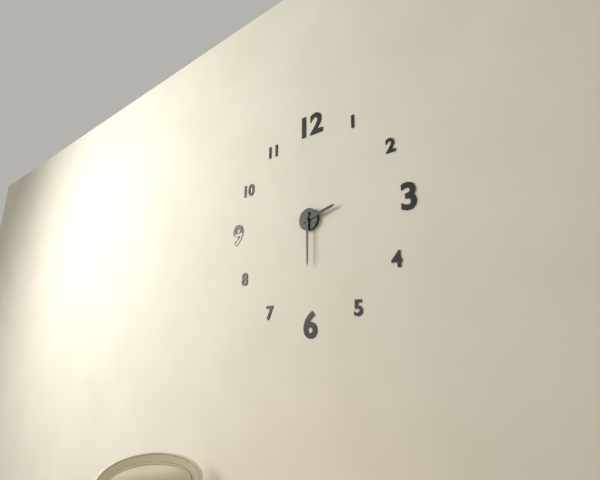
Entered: 2h30
